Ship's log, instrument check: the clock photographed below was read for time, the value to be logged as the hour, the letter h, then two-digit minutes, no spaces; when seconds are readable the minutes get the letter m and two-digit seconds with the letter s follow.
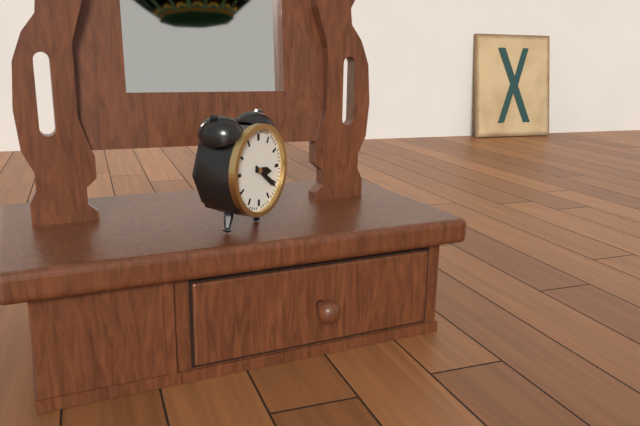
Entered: 3h21
